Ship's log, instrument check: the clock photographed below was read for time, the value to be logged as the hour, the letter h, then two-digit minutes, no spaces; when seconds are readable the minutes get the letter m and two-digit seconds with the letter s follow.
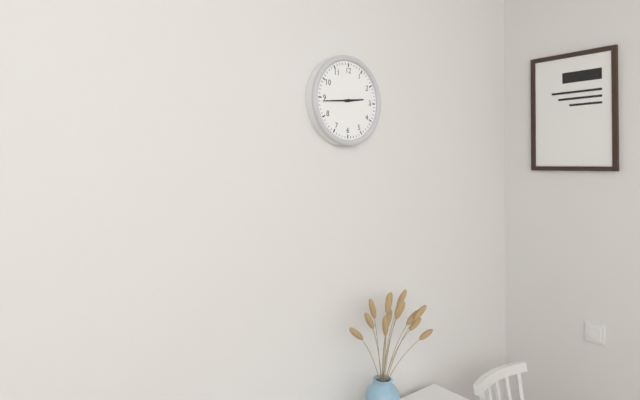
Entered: 2h44
